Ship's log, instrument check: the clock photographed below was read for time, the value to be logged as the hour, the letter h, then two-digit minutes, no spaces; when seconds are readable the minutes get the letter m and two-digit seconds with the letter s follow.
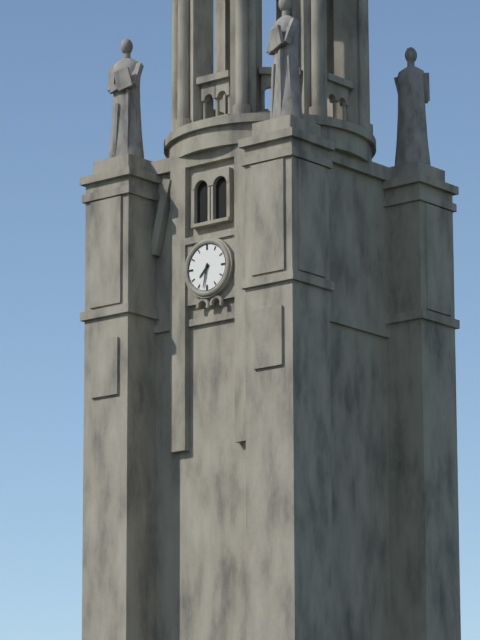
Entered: 7h32
